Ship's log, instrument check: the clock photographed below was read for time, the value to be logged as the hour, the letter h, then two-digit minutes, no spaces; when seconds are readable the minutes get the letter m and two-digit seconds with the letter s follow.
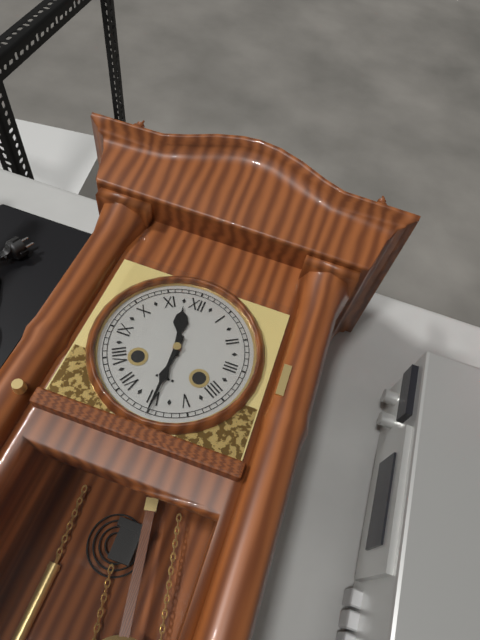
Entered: 11h30
